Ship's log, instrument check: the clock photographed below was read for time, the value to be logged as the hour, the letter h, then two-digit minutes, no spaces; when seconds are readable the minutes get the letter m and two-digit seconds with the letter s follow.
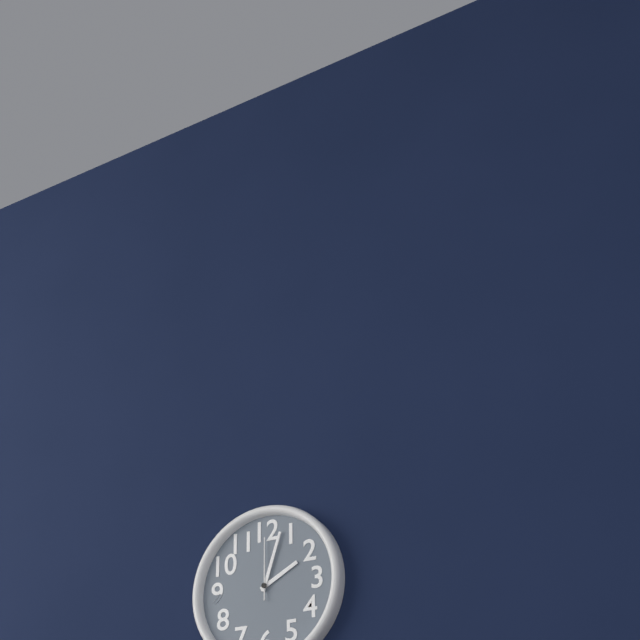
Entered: 2h03m00s
